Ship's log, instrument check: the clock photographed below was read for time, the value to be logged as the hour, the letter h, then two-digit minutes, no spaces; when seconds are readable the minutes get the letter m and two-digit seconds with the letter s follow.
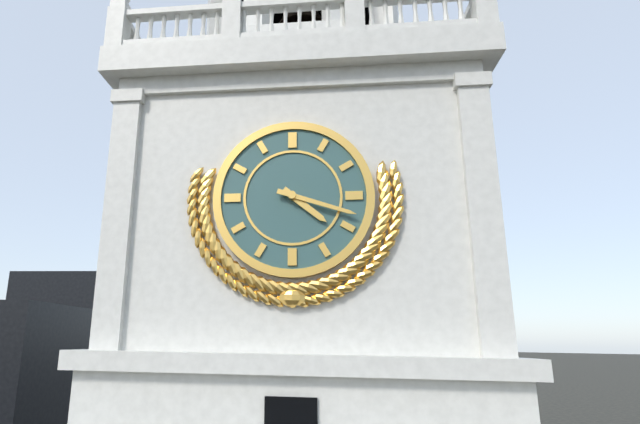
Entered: 4h18
